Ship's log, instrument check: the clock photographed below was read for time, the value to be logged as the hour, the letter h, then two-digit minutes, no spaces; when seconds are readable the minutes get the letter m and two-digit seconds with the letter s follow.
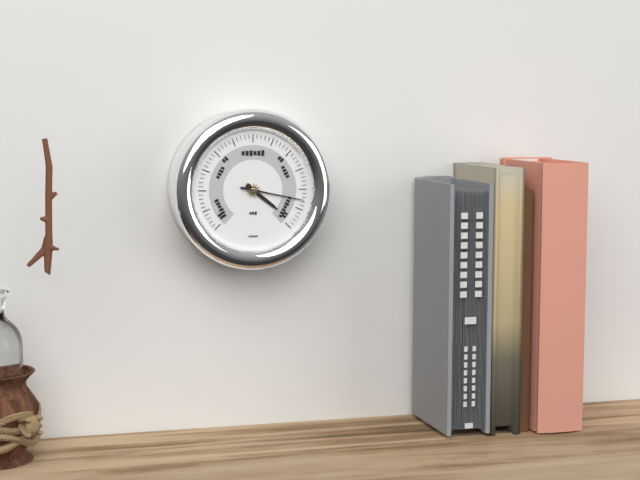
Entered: 4h17
